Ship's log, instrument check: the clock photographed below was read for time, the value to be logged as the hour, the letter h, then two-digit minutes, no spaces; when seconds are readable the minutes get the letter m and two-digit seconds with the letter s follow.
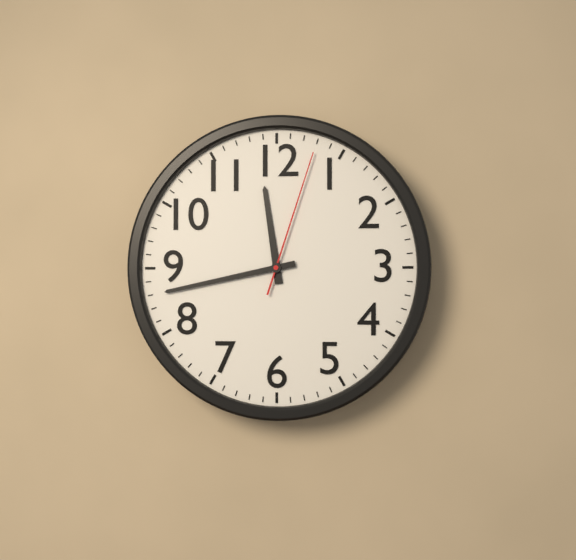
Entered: 11h43m03s
